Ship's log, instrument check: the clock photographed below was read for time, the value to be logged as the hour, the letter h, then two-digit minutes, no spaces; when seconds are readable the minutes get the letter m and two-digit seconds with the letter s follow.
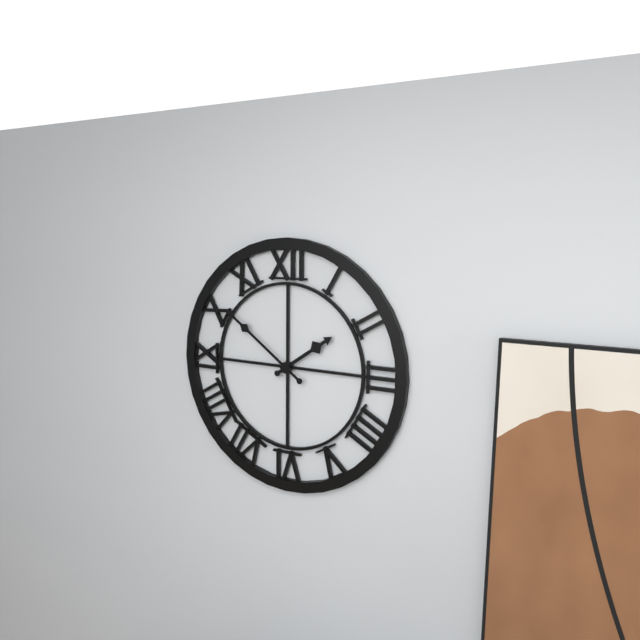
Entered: 1h51
